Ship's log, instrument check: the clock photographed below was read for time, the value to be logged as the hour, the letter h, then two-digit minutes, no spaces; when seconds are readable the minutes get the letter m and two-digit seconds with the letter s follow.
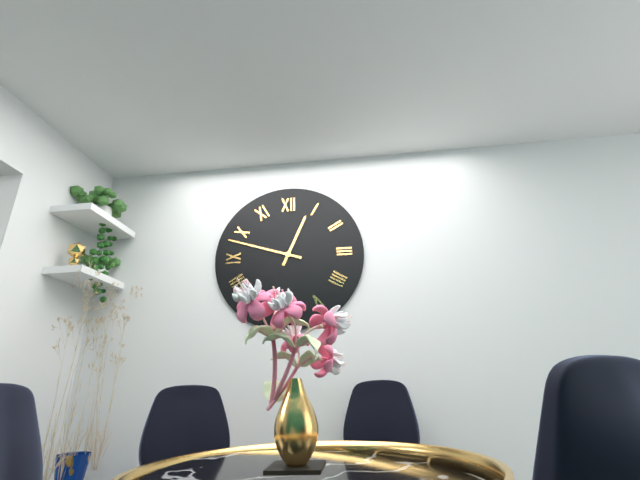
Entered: 12h48
